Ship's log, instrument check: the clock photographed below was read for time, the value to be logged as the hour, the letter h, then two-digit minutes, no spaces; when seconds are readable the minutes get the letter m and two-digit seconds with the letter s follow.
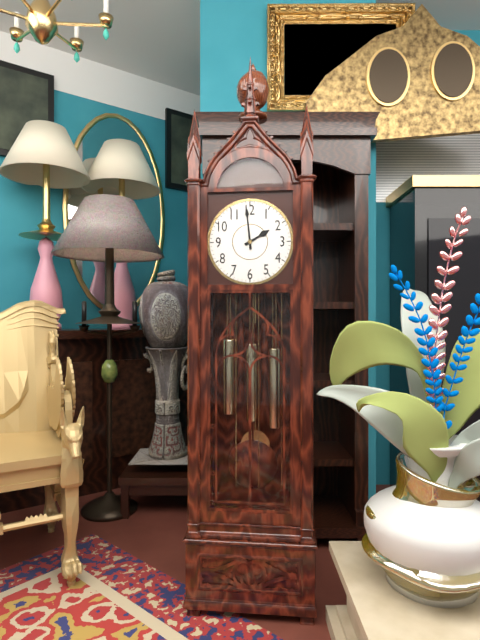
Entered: 1h59
